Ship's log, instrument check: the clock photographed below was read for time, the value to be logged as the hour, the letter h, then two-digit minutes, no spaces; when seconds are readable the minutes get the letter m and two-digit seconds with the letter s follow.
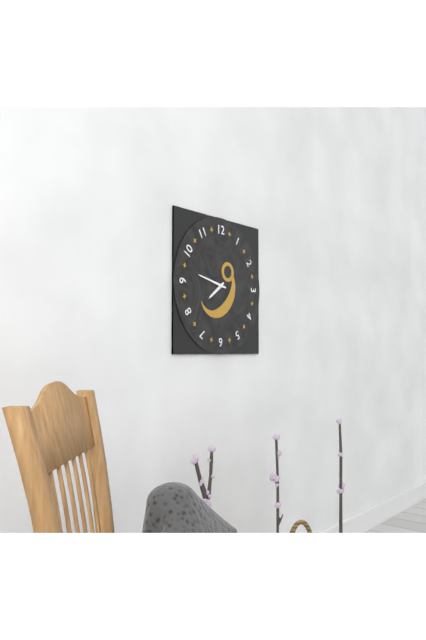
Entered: 7h47
